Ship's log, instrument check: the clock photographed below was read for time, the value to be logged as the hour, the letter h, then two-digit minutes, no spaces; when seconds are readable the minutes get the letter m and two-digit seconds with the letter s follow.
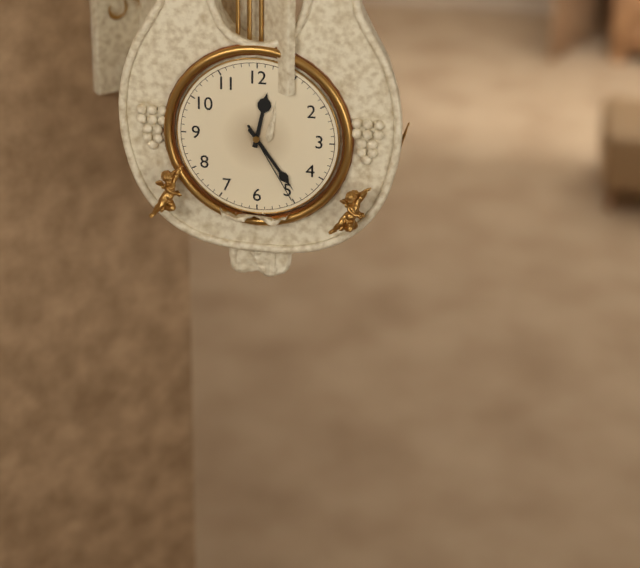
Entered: 12h24m25s
